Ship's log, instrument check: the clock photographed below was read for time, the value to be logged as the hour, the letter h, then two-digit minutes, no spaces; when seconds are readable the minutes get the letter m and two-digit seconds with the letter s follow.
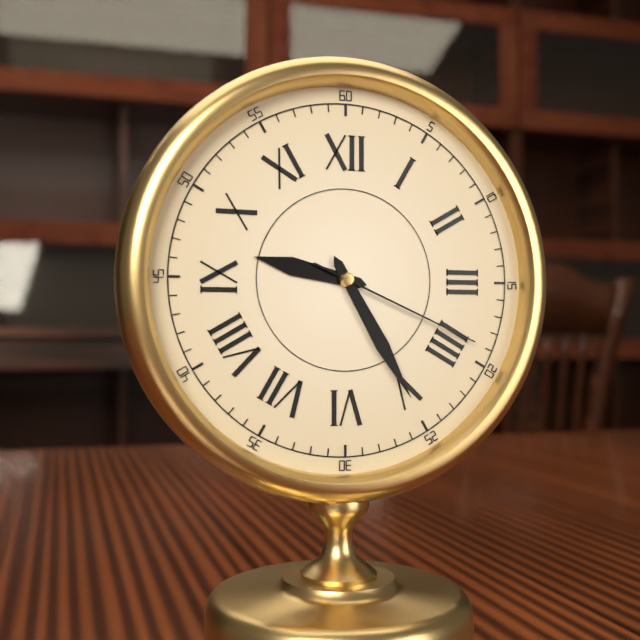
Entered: 9h25m19s
